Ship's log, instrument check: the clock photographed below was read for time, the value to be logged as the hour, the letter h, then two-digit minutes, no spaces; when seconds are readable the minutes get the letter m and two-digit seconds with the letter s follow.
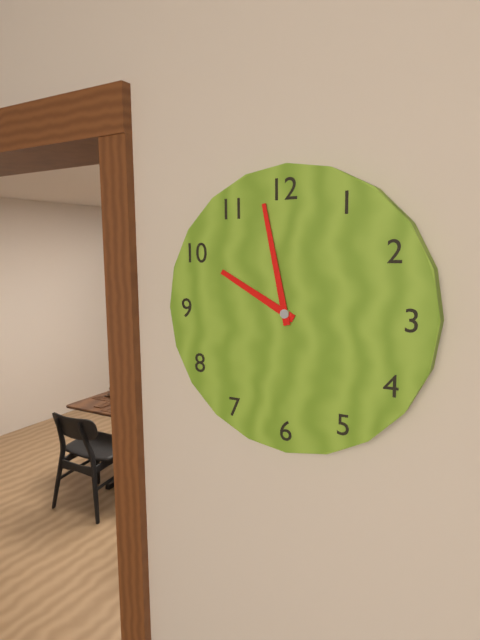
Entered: 9h58
